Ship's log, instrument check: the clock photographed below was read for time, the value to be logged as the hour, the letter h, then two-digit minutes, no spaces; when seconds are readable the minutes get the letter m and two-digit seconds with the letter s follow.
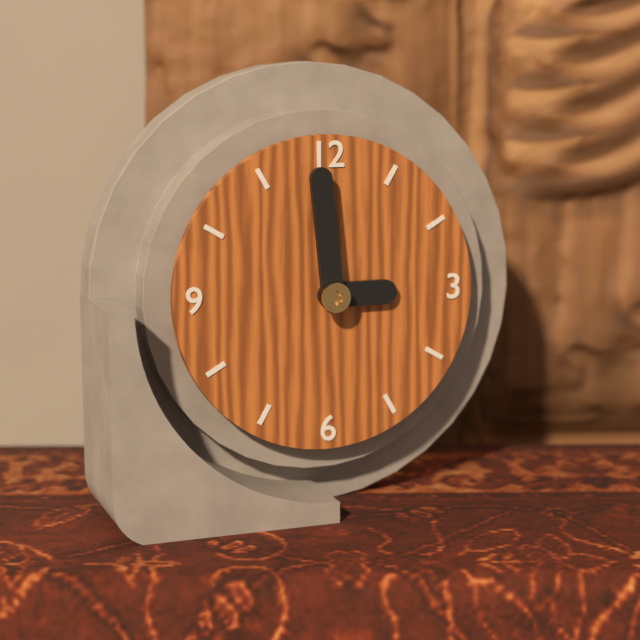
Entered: 2h59
